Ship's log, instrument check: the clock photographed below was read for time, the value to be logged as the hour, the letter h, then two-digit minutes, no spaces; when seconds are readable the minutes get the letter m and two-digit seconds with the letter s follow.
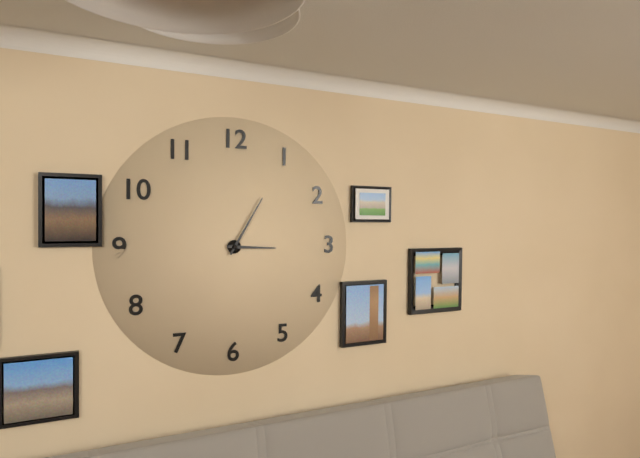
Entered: 3h05
